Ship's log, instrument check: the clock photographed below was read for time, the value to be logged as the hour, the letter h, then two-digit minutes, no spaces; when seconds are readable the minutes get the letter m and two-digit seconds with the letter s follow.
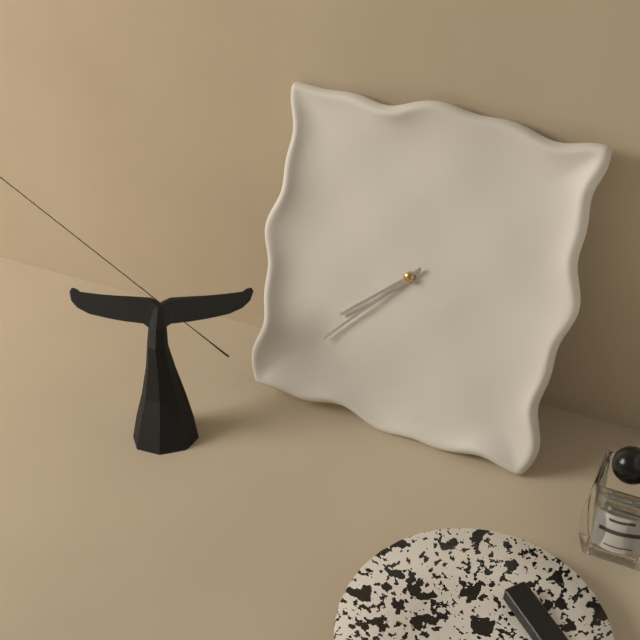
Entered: 7h37
